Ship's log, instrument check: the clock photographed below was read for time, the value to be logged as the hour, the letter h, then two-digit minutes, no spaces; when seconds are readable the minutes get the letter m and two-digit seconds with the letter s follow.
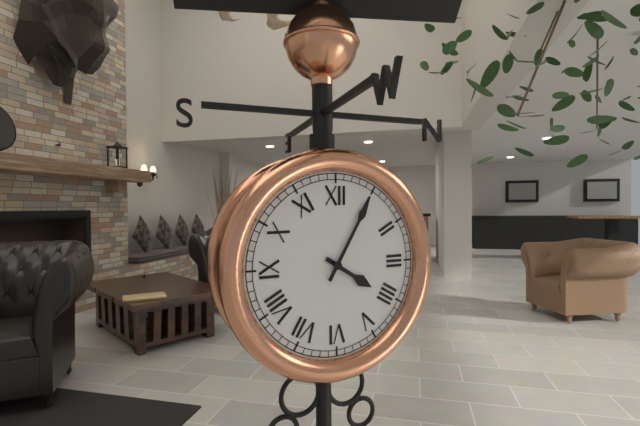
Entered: 4h05
